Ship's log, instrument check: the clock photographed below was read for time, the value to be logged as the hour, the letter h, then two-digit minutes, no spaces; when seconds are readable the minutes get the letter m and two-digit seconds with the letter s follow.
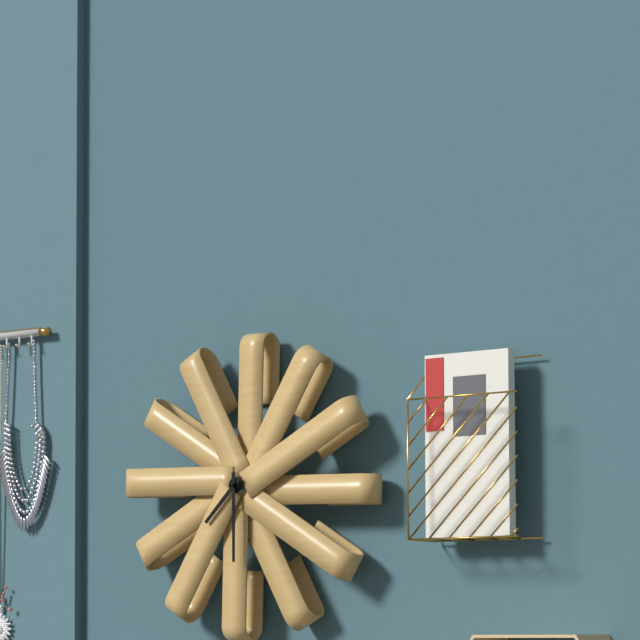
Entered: 7h30
